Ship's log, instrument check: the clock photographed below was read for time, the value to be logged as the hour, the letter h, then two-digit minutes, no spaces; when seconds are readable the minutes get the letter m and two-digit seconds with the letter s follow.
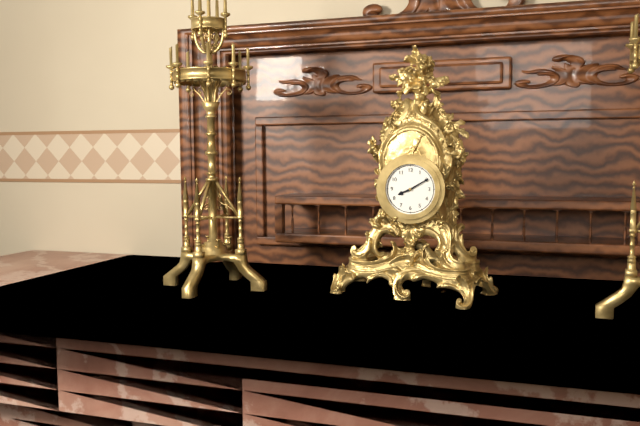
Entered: 8h10
